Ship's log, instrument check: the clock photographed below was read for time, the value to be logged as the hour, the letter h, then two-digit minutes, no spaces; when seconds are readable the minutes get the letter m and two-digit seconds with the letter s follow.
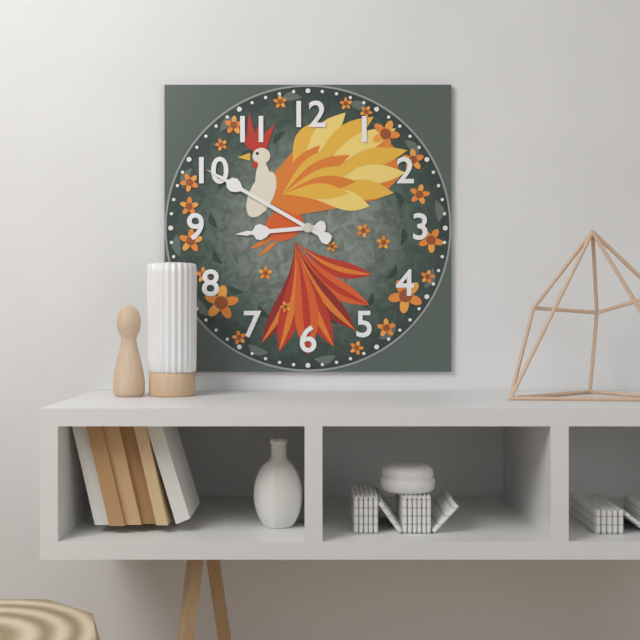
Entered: 8h50
